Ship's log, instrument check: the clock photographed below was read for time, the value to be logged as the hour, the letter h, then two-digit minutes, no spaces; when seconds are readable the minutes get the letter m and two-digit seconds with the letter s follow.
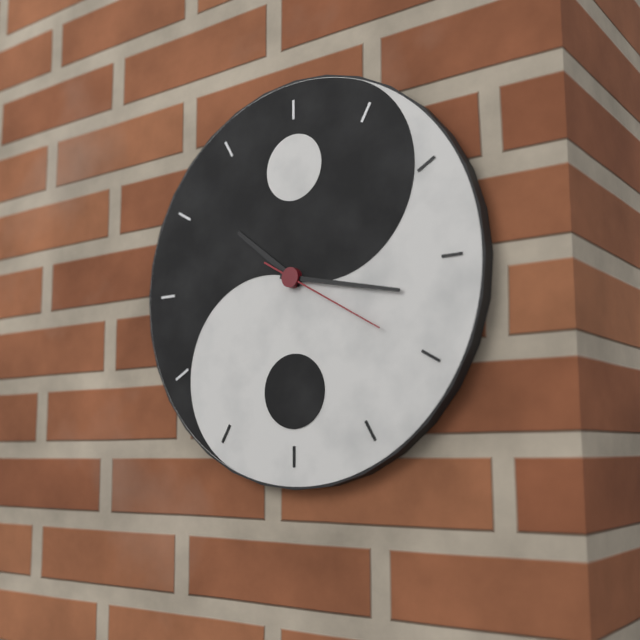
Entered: 10h17m20s
